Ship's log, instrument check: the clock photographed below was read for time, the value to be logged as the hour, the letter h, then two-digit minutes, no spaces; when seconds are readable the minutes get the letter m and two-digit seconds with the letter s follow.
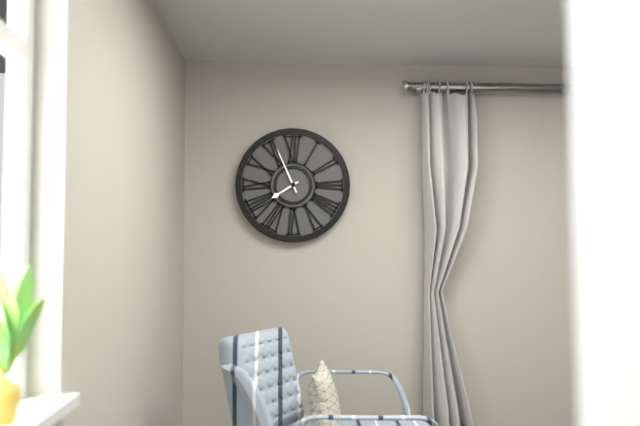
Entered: 7h56
